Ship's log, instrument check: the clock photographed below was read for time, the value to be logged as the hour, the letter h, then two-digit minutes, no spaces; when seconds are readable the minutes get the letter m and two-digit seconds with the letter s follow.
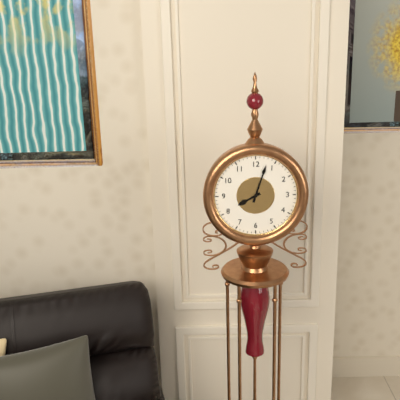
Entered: 8h03
